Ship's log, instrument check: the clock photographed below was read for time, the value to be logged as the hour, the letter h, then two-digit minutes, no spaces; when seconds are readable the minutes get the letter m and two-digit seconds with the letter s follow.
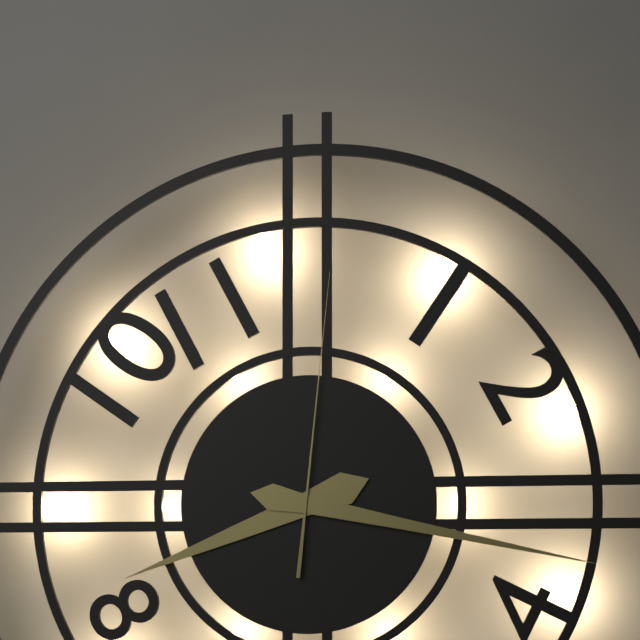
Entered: 8h17m01s
